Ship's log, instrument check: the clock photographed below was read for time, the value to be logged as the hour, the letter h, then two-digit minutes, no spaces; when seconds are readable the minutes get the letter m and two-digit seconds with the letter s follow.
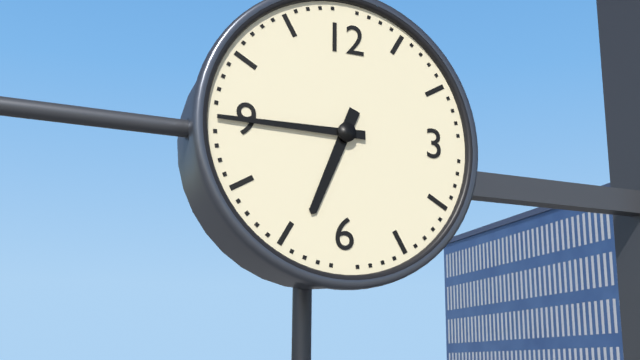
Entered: 6h45
